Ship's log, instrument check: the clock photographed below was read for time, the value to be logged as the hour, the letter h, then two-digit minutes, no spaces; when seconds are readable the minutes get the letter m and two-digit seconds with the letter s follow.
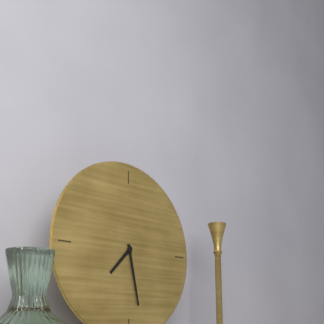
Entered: 7h28
